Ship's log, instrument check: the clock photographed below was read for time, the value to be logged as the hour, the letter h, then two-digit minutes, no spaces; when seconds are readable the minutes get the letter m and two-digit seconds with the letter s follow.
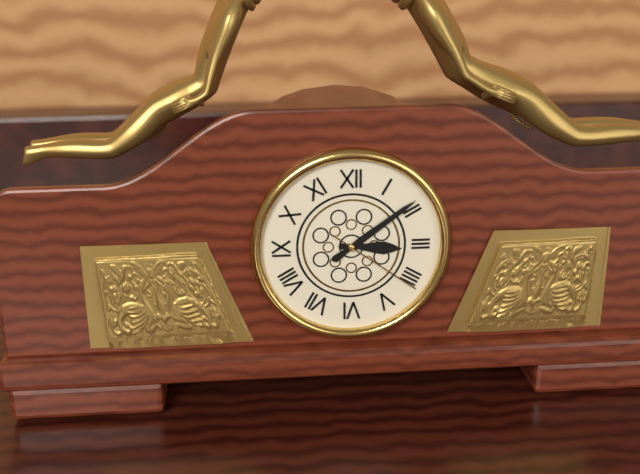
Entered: 3h09m21s
